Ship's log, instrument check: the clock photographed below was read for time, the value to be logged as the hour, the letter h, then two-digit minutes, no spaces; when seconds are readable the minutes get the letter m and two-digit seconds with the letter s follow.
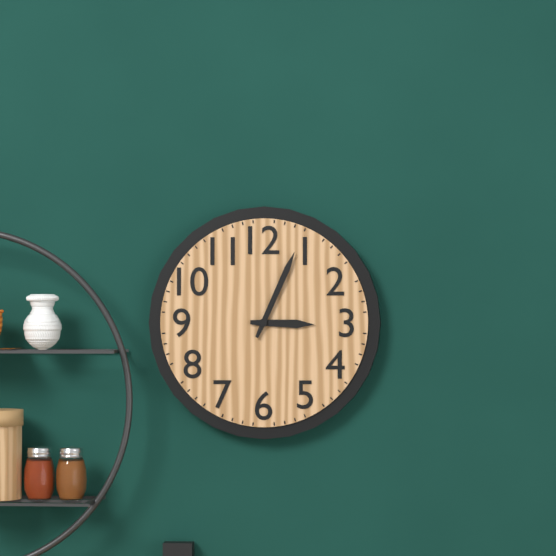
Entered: 3h04
